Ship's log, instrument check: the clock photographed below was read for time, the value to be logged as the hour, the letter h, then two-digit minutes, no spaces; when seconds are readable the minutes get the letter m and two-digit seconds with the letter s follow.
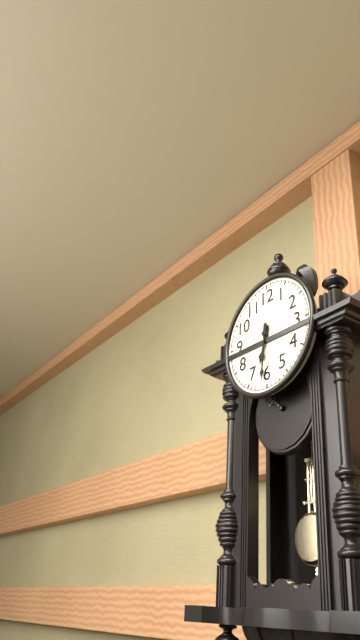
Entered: 6h31
